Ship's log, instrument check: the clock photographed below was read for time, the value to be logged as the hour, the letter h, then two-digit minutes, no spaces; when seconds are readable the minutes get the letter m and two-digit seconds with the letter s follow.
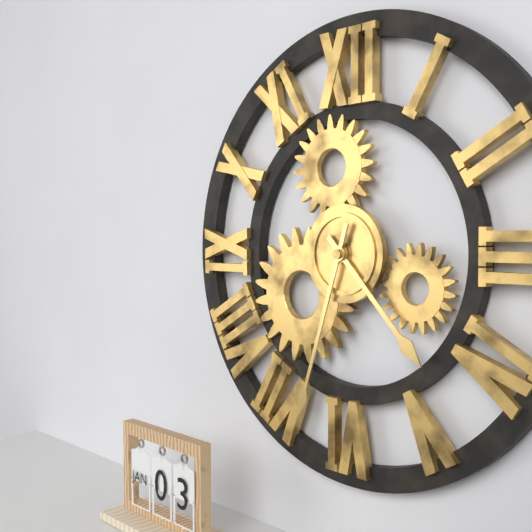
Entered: 4h33
